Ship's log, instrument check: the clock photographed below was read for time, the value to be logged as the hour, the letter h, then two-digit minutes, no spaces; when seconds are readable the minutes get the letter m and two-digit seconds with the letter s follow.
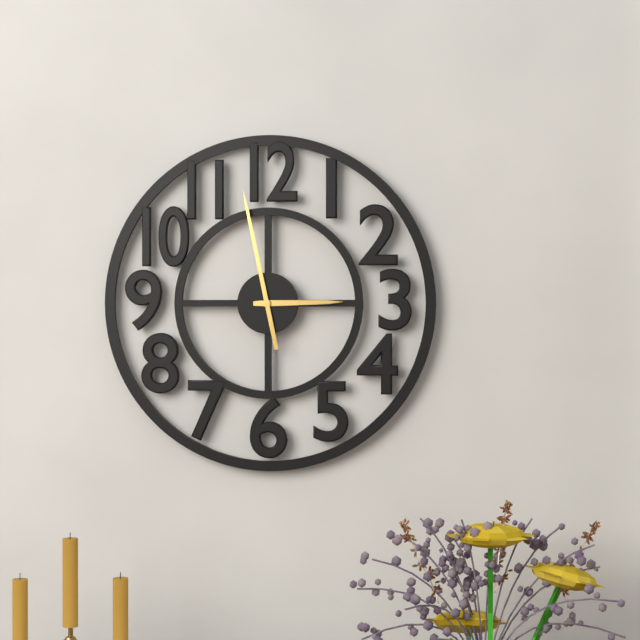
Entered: 2h58
